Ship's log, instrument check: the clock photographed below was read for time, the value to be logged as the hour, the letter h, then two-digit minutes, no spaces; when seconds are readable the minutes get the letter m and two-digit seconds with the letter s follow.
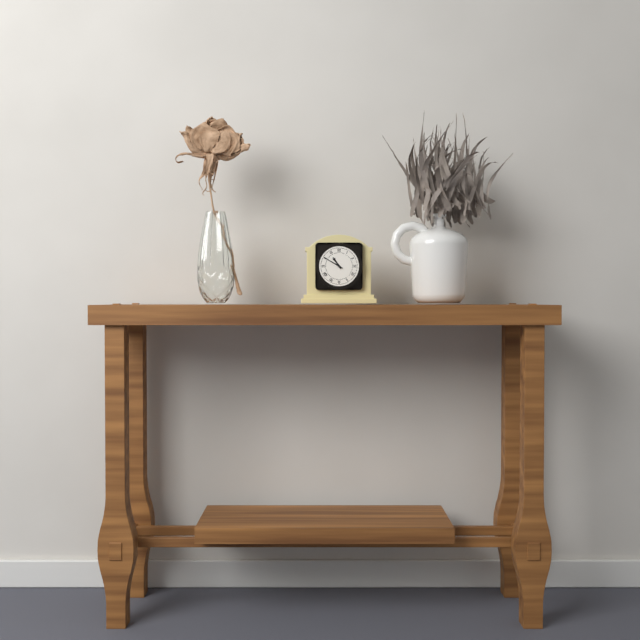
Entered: 10h50
